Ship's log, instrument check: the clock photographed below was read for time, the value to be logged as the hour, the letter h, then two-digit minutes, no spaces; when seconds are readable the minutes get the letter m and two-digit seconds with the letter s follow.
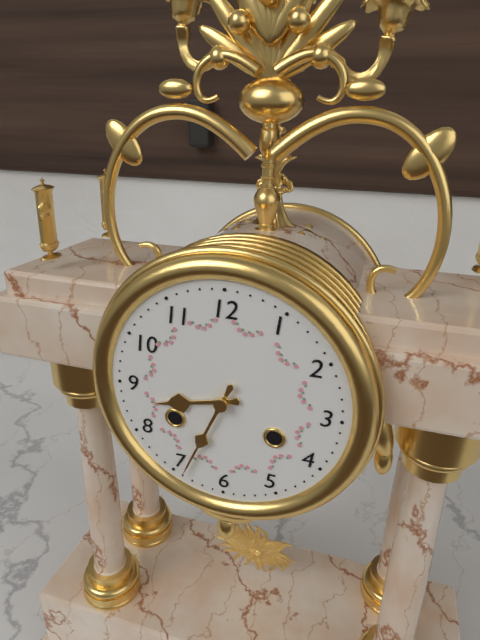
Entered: 8h34
